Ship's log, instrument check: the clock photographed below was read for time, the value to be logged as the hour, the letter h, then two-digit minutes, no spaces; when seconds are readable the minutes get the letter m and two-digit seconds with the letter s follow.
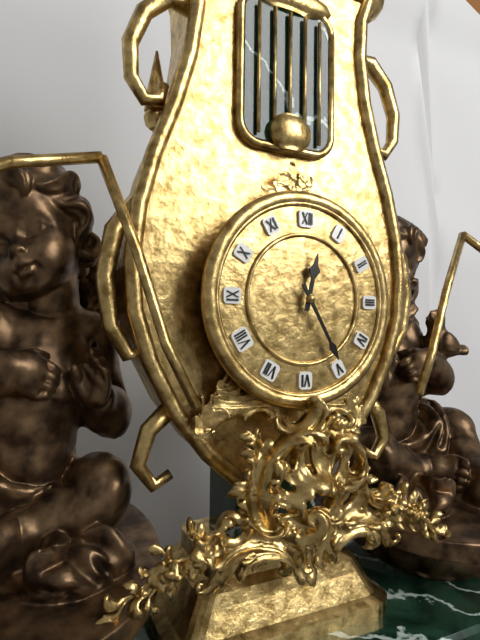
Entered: 12h25
